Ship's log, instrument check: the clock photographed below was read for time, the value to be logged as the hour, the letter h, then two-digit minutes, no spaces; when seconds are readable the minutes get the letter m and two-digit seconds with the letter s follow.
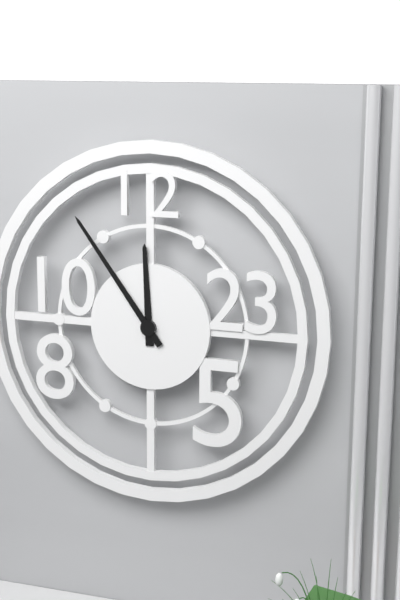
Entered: 11h54
